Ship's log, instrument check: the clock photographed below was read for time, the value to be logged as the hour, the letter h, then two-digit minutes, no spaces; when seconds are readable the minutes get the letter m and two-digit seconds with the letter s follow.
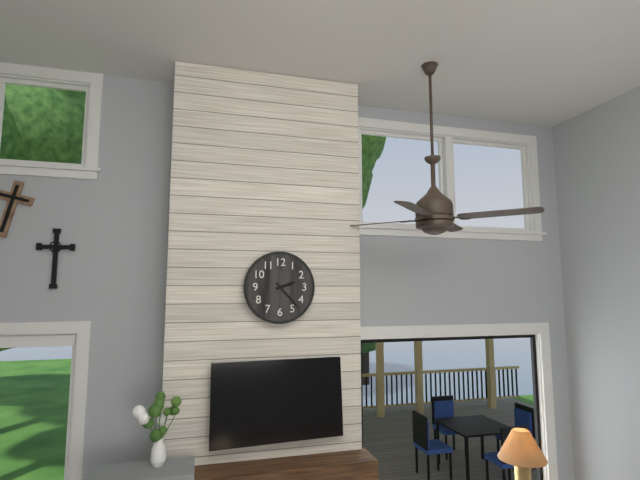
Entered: 2h23
